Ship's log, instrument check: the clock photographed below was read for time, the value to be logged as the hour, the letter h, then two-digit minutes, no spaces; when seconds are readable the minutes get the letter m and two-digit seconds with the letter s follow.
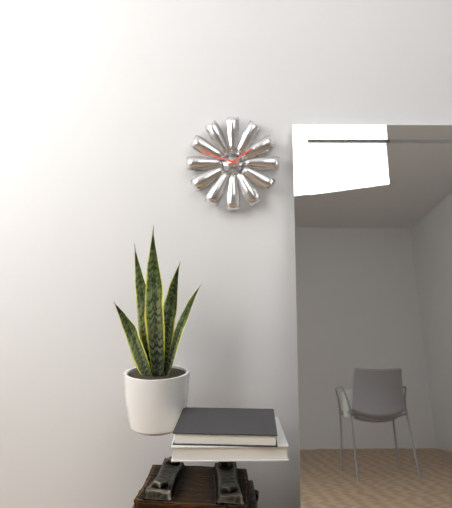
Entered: 1h48
